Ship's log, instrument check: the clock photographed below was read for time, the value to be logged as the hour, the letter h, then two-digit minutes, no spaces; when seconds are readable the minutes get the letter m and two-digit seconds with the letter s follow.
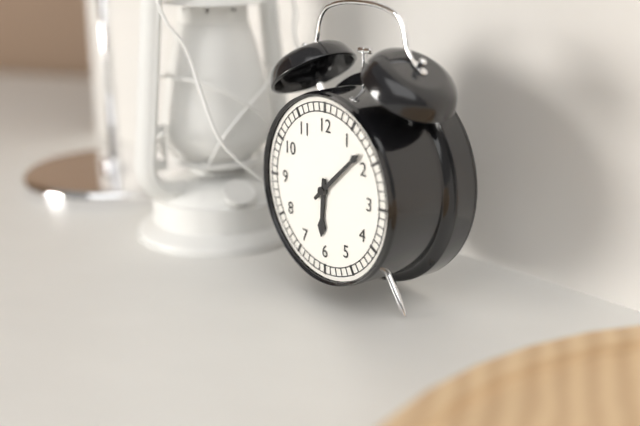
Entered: 6h08
